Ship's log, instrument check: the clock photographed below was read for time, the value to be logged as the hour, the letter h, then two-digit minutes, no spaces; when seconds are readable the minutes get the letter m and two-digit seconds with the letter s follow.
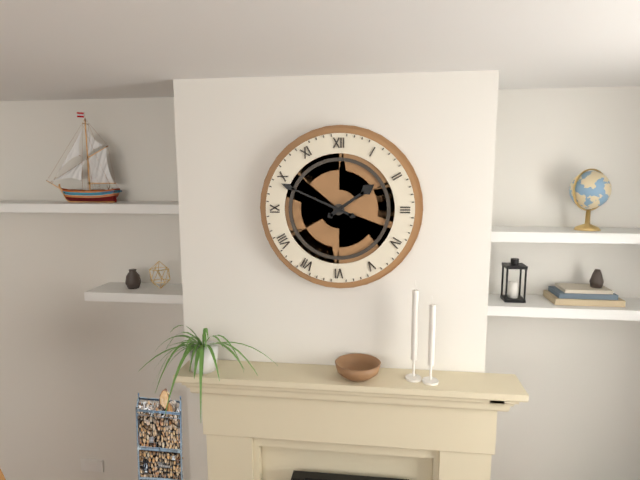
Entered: 1h49
